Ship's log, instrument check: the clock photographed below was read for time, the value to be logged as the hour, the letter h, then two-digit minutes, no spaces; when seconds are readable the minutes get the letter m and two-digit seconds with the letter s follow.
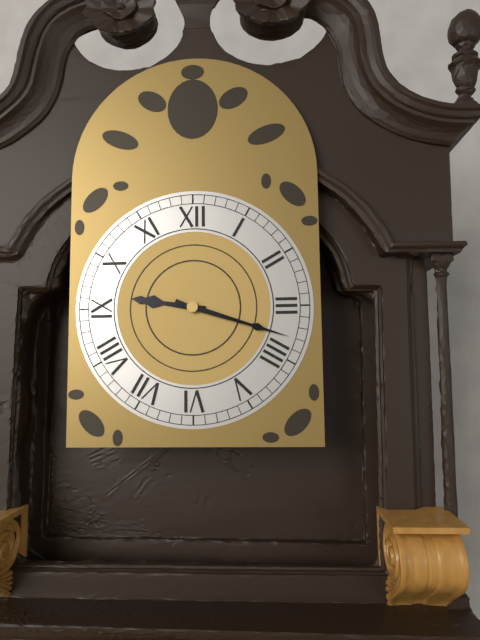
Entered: 9h18
